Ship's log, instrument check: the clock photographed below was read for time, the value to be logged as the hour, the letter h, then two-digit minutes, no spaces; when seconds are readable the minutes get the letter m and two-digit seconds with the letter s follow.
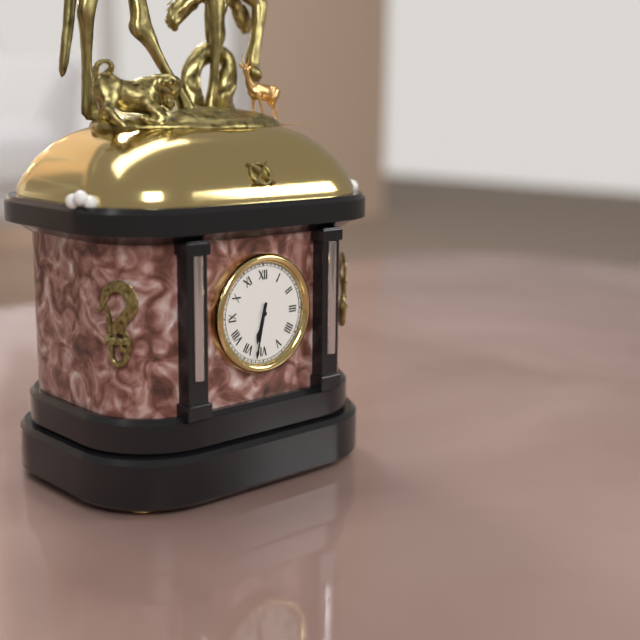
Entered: 6h32
